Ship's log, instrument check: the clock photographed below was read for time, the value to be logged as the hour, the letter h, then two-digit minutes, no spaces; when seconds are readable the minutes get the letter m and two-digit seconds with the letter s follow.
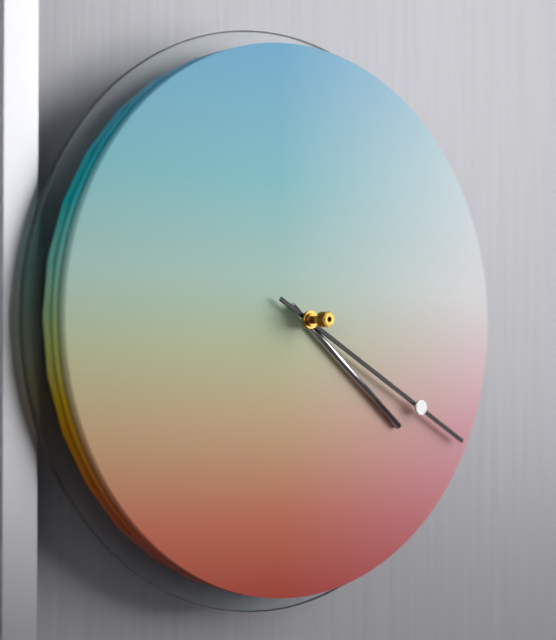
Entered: 4h20
